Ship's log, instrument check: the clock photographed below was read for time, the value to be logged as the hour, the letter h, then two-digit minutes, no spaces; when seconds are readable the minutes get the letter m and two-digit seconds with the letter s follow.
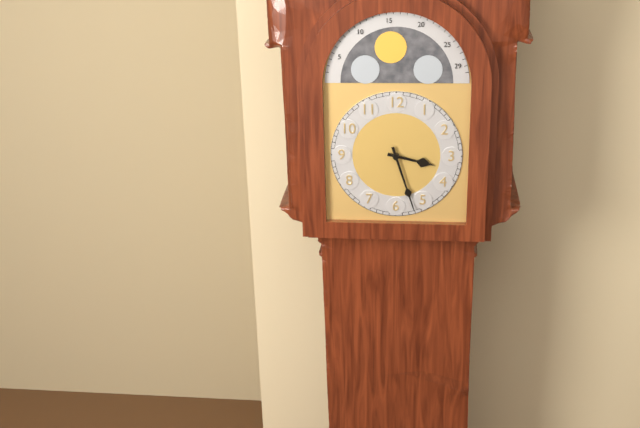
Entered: 3h27
